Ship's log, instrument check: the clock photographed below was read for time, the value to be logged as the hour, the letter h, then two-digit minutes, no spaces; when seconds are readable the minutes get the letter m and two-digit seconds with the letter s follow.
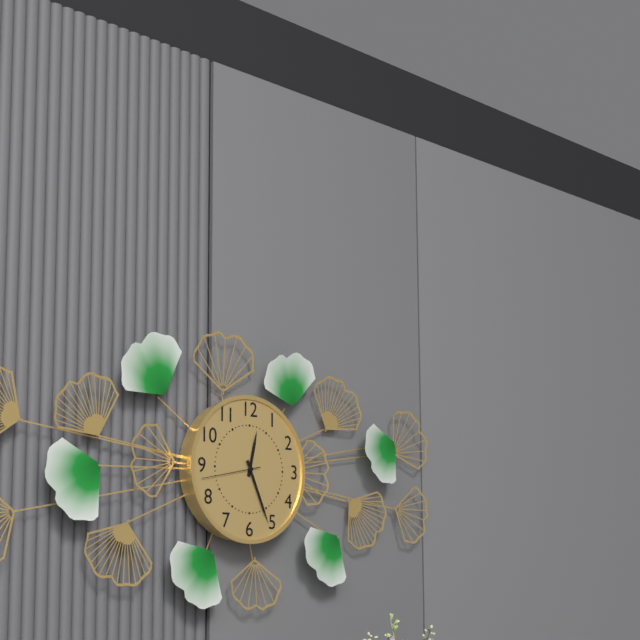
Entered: 12h26m43s
